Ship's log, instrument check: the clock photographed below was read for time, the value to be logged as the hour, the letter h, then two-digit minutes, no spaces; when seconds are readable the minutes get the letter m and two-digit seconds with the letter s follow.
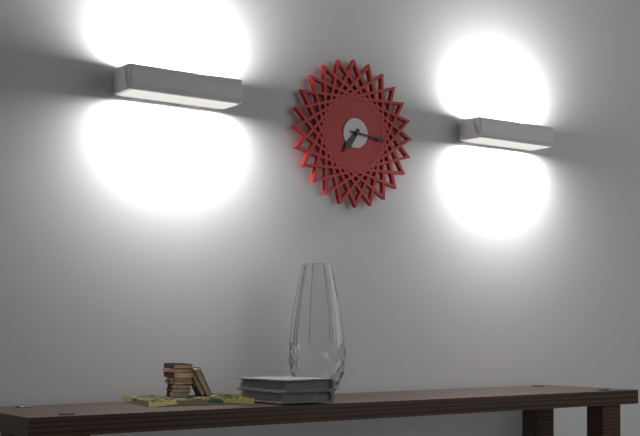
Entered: 7h16
